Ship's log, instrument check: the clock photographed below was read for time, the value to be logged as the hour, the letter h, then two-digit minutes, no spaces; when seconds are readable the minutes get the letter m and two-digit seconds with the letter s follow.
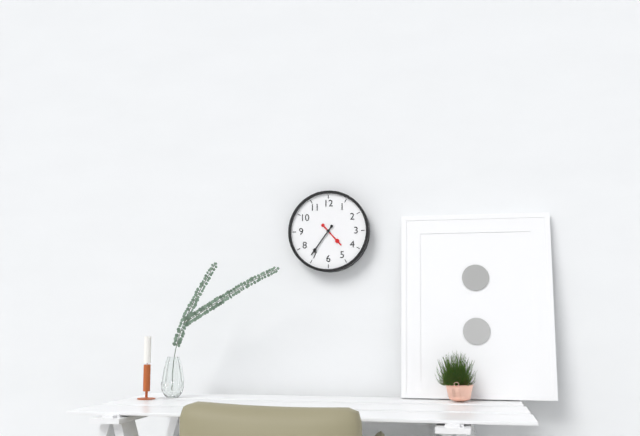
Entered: 4h36
